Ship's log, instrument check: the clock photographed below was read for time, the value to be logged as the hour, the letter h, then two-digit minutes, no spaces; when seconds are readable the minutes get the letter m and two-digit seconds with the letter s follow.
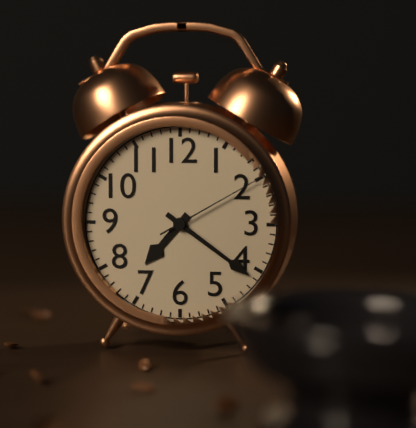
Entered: 7h21m10s
